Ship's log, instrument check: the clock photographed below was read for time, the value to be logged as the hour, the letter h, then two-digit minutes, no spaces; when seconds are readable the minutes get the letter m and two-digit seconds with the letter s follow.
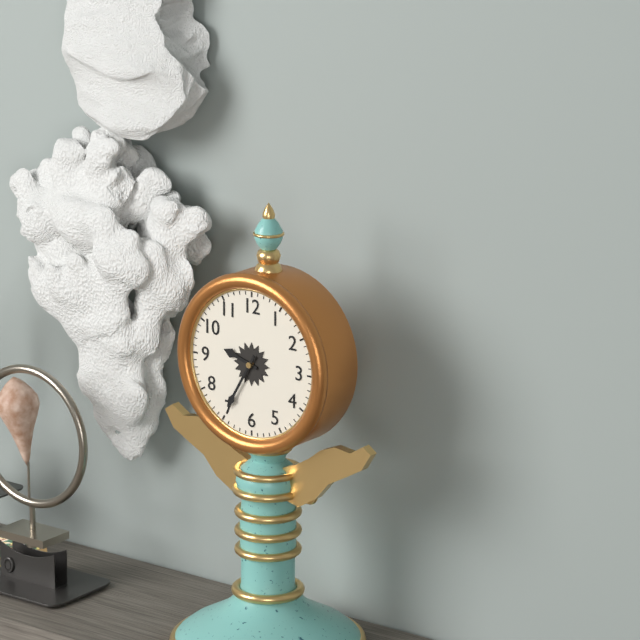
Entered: 9h35
